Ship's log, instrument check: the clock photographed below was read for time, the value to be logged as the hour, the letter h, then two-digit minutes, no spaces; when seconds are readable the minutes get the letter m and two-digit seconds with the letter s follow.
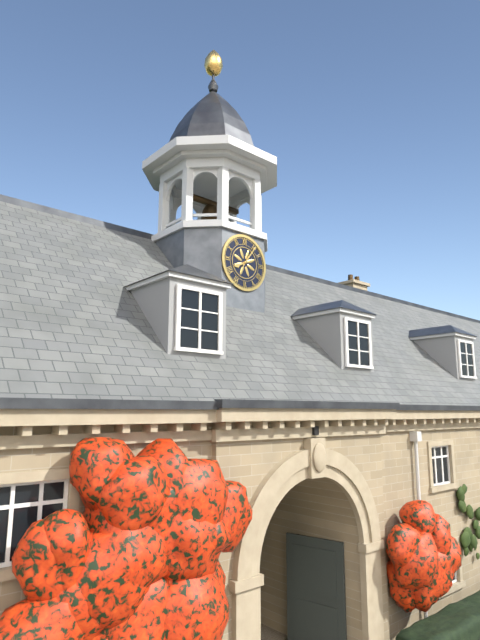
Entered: 8h06
